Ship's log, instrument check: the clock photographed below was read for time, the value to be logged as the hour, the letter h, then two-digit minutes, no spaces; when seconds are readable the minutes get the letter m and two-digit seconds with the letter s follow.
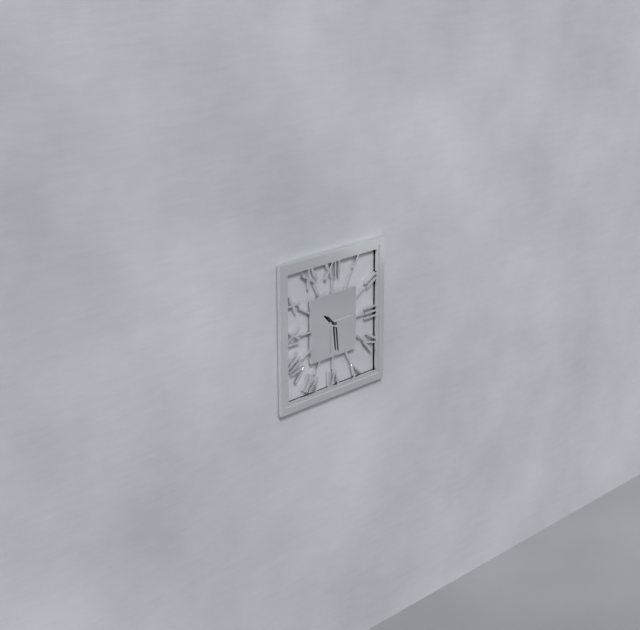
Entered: 10h29
